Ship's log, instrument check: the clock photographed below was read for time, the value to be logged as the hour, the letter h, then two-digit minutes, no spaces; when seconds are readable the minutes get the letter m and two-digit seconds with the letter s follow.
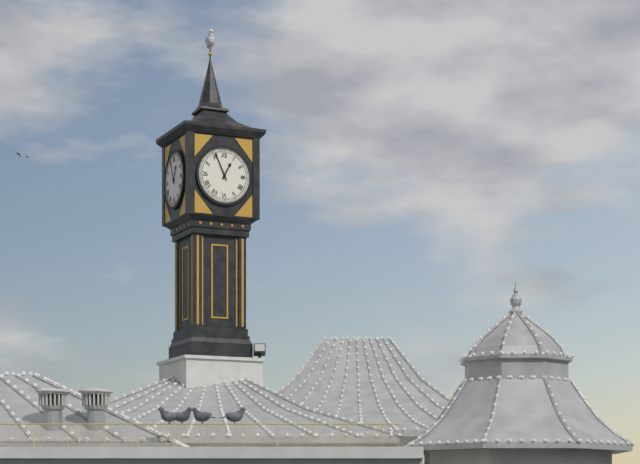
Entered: 12h56
